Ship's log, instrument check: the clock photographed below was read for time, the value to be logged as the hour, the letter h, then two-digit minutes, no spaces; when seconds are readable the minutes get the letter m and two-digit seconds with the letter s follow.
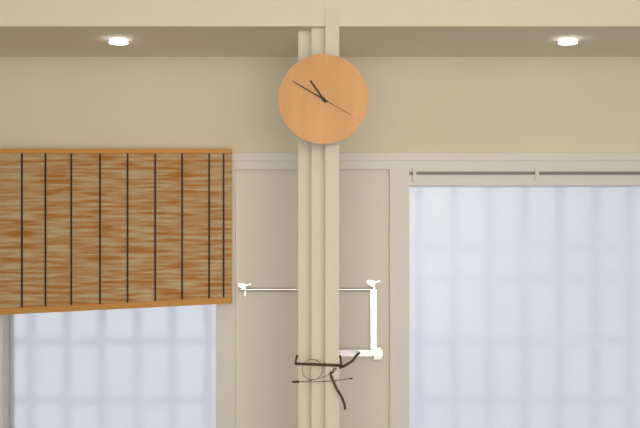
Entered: 10h50
